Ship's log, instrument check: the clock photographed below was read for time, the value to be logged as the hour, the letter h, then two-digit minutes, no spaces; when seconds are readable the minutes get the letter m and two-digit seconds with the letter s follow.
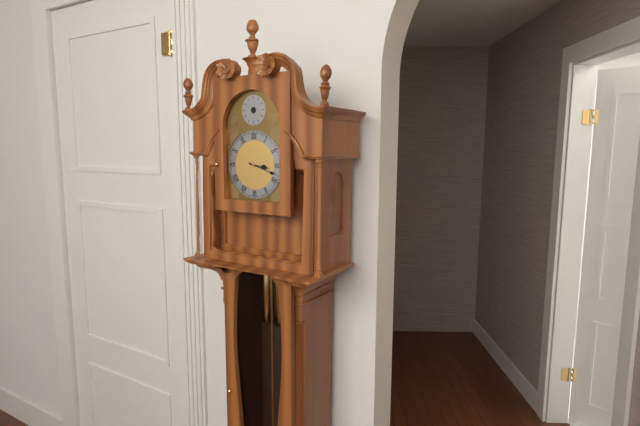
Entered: 3h18
